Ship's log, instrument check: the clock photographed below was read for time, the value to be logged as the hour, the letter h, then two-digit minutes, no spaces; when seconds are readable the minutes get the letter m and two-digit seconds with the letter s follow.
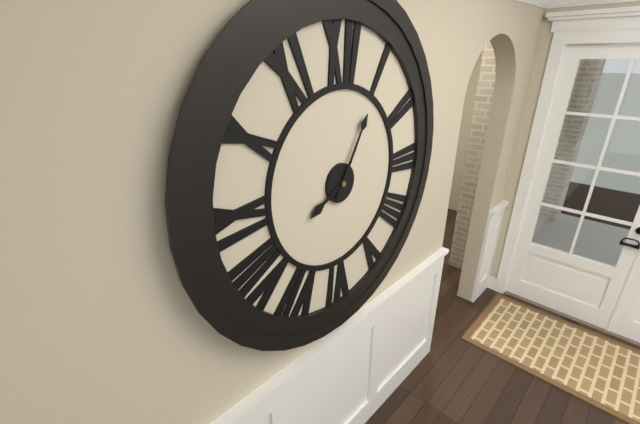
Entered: 8h05
